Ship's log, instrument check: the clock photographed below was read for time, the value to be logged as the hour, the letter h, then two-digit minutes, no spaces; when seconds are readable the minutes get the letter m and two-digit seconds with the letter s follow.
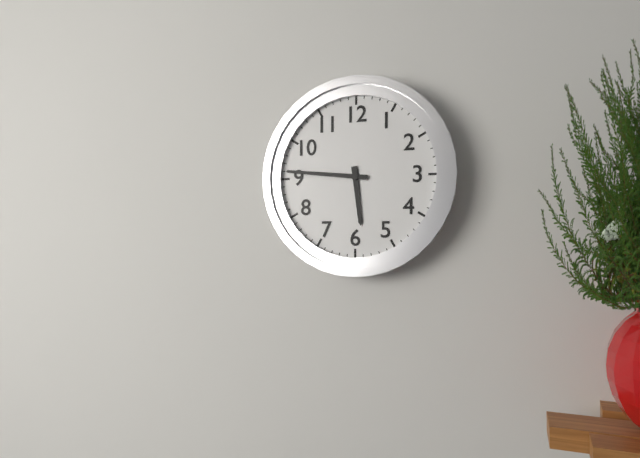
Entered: 5h46
